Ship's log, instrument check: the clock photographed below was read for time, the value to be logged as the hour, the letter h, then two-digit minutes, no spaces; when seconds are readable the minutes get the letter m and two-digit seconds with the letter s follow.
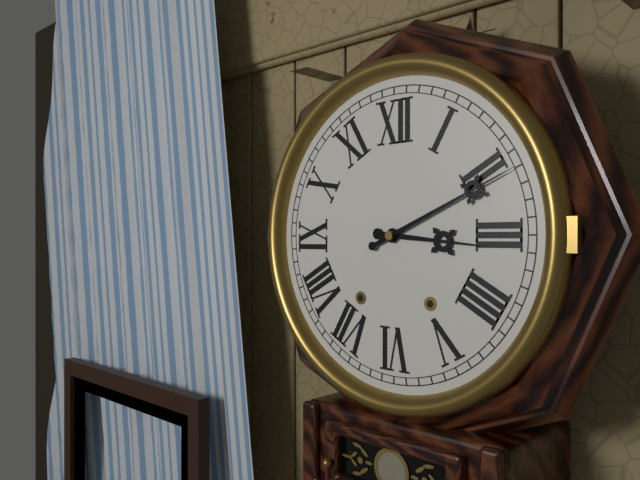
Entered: 3h11
